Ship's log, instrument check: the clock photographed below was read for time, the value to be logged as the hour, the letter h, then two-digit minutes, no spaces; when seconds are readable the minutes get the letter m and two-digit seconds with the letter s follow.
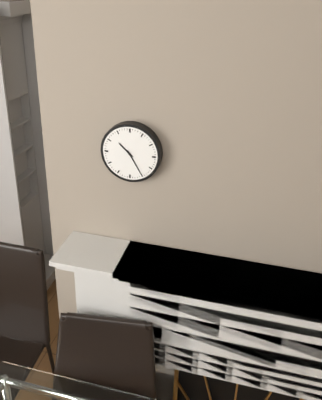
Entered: 10h25
